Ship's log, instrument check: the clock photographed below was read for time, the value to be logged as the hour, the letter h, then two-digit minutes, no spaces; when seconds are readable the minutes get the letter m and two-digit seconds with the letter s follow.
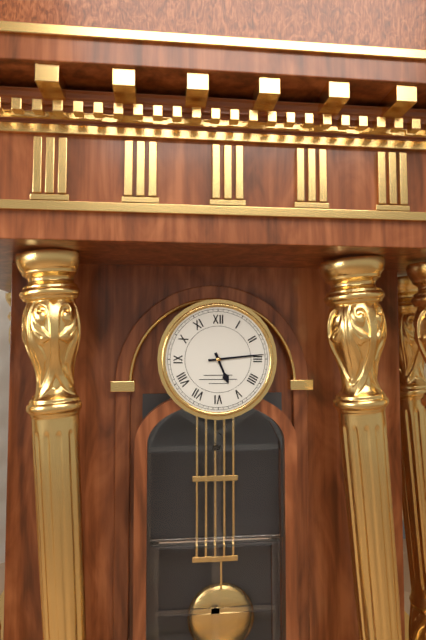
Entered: 5h14
